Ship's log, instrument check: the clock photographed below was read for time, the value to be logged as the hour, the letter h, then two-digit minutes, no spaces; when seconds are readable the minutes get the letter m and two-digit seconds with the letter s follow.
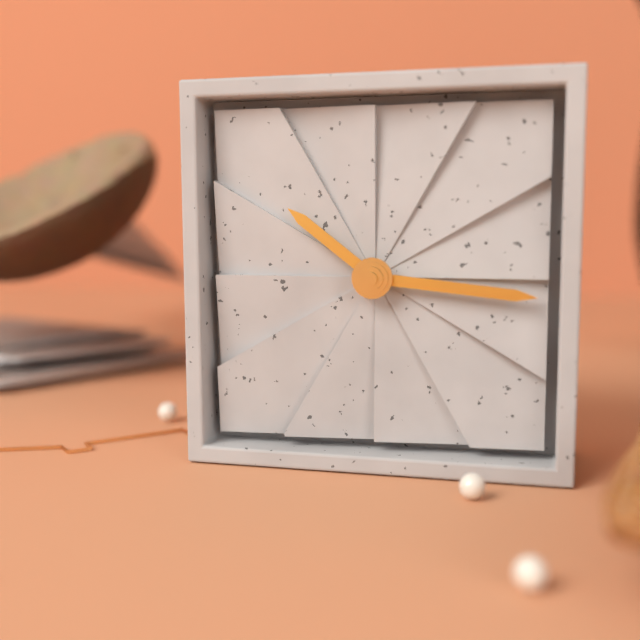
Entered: 10h16
